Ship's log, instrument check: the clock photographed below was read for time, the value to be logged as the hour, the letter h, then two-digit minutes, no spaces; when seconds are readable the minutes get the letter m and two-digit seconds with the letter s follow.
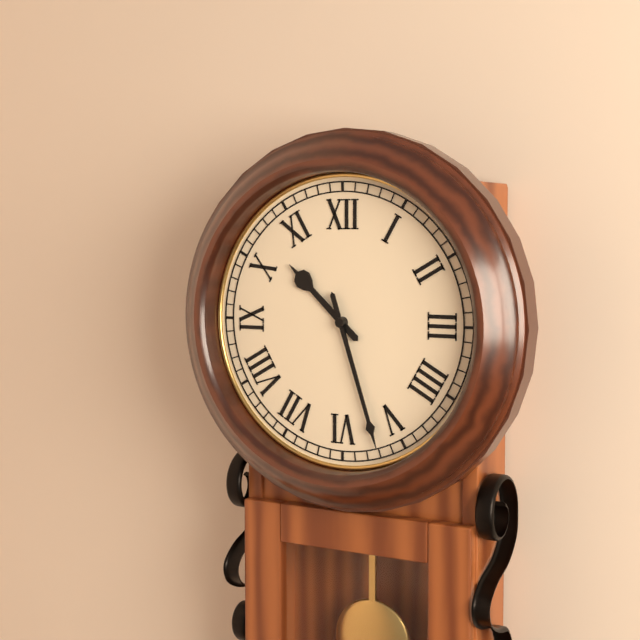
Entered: 10h27
